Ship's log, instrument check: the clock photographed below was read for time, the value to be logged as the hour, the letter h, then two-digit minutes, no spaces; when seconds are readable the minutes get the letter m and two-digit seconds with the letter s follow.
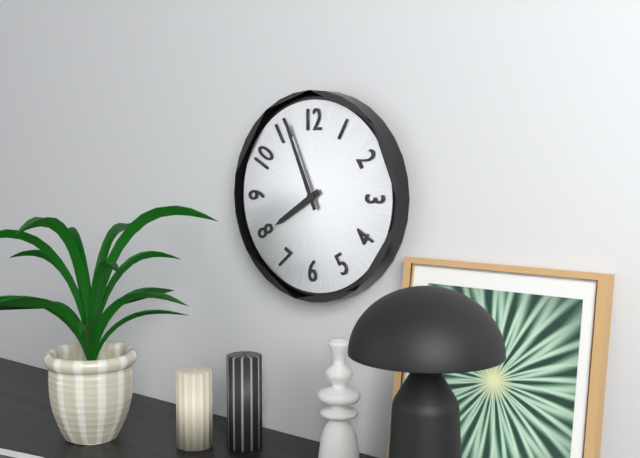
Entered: 7h56
